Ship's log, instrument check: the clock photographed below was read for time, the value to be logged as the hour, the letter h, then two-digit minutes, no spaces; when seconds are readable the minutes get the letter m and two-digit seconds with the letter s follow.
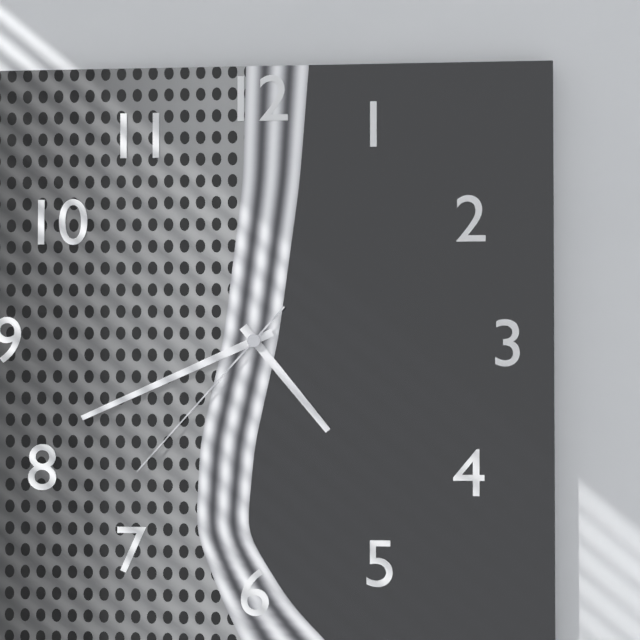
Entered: 4h41m37s
